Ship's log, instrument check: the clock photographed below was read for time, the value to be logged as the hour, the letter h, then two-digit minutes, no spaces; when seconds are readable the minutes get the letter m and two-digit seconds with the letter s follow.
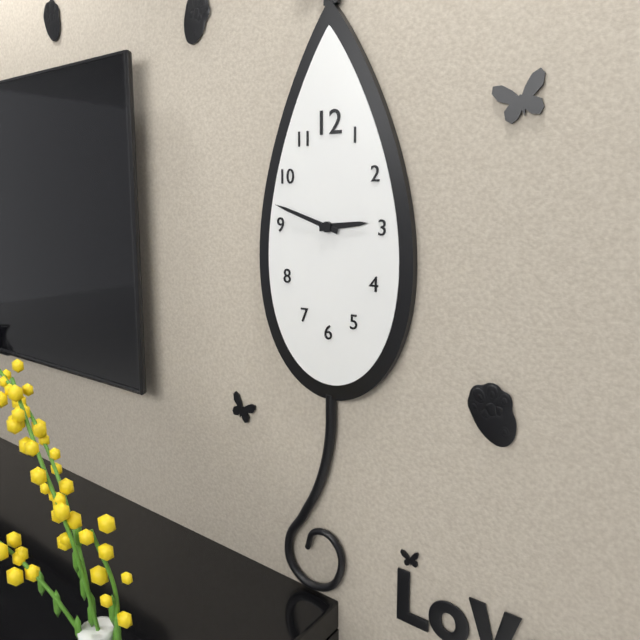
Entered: 2h48
